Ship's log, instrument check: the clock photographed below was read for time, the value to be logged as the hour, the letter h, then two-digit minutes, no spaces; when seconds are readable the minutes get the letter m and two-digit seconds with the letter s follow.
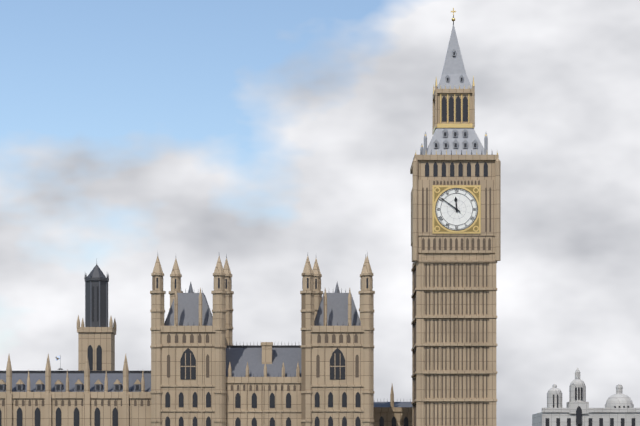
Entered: 11h51
